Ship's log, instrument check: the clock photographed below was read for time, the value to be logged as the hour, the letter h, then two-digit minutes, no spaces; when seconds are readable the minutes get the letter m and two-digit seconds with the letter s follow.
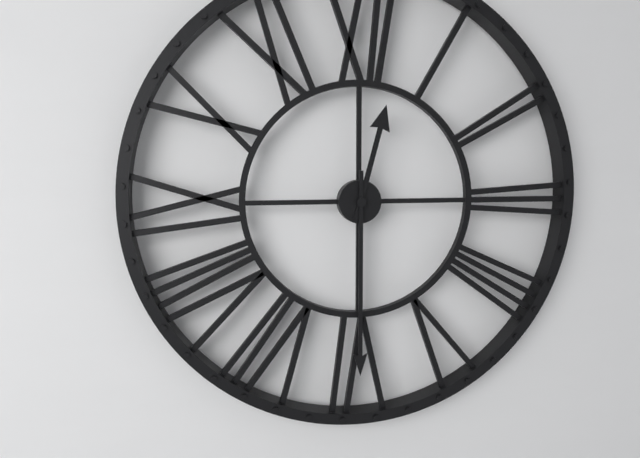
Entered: 12h30
